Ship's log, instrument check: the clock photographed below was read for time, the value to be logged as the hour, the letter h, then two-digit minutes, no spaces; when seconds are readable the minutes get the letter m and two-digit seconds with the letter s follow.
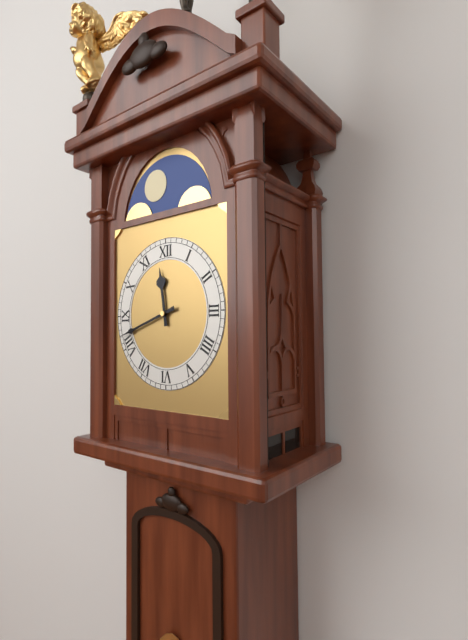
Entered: 11h42
